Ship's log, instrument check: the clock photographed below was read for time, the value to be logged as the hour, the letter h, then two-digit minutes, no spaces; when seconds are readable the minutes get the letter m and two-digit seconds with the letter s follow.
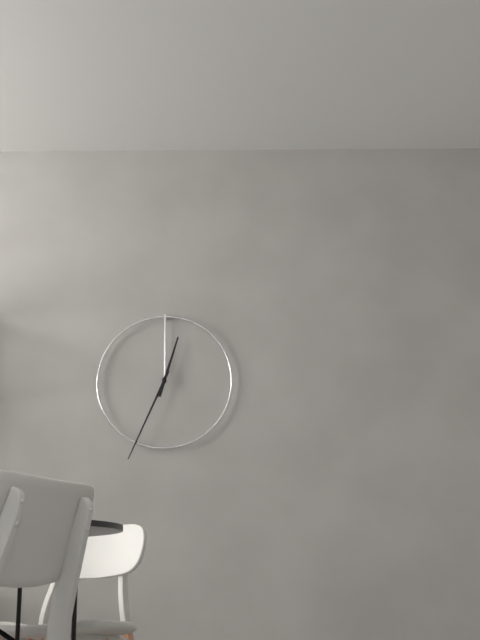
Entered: 12h34
